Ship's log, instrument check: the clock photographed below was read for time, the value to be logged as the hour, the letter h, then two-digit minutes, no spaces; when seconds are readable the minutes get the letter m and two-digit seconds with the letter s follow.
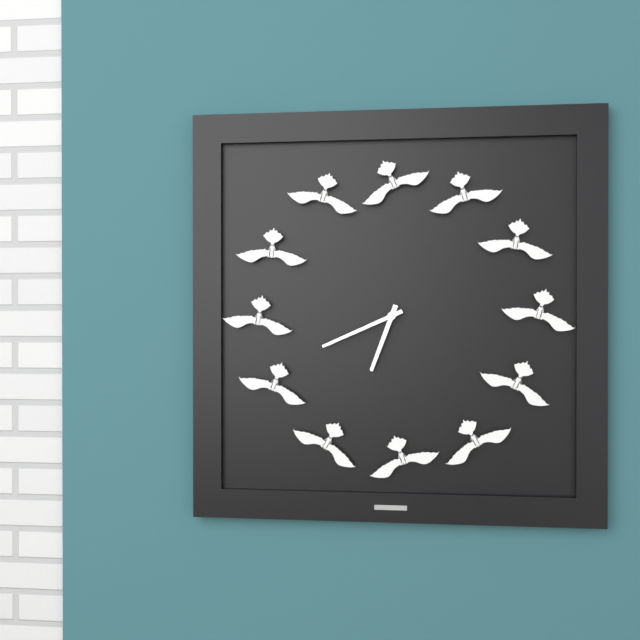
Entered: 6h41
